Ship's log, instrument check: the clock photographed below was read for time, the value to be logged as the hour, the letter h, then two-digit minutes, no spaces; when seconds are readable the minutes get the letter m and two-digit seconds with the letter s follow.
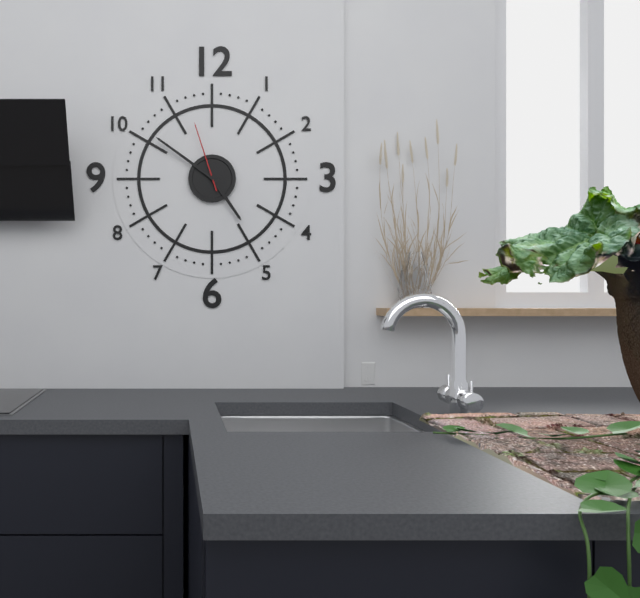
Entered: 4h51m57s
